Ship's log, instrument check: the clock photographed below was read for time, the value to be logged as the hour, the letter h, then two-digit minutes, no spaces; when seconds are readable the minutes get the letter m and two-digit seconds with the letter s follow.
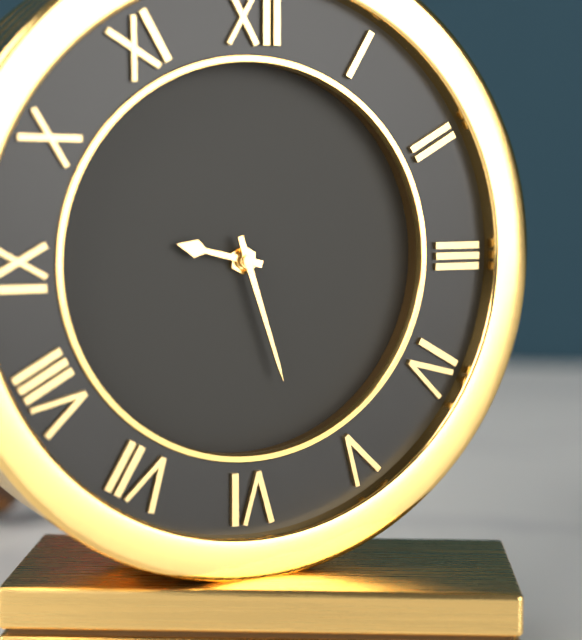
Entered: 9h27
